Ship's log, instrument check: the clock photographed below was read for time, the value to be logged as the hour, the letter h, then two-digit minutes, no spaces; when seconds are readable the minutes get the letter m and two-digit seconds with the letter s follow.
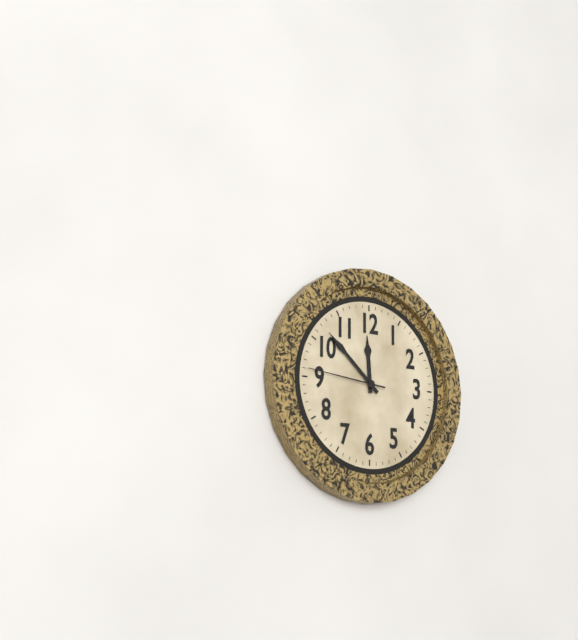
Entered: 11h52m46s
